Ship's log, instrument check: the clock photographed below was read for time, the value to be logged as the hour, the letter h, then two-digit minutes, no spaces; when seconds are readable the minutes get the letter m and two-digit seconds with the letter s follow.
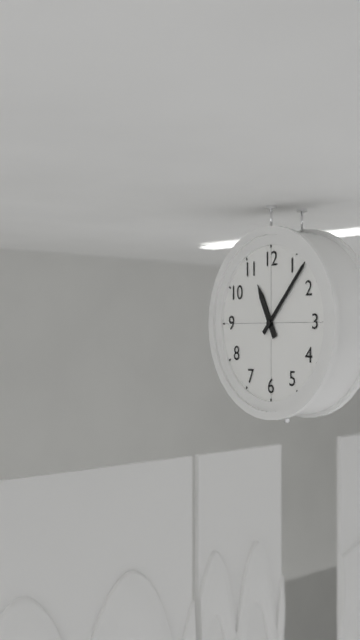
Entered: 11h07
